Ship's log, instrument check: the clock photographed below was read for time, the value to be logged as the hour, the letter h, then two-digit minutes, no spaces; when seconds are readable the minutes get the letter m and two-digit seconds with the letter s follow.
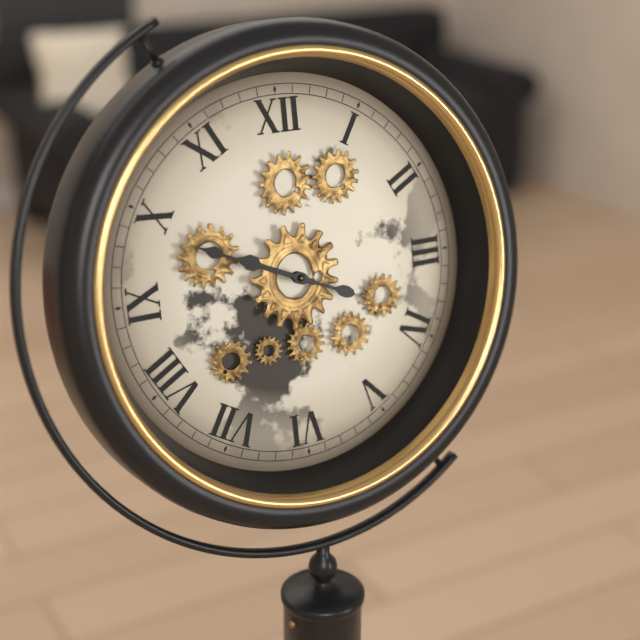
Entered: 9h49
